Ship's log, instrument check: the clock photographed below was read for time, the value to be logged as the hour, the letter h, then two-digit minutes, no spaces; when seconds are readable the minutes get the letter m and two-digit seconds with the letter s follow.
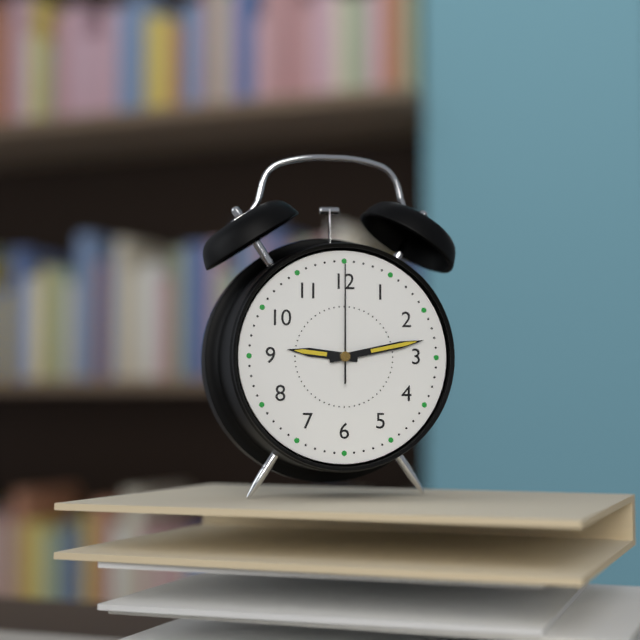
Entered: 9h13m00s
